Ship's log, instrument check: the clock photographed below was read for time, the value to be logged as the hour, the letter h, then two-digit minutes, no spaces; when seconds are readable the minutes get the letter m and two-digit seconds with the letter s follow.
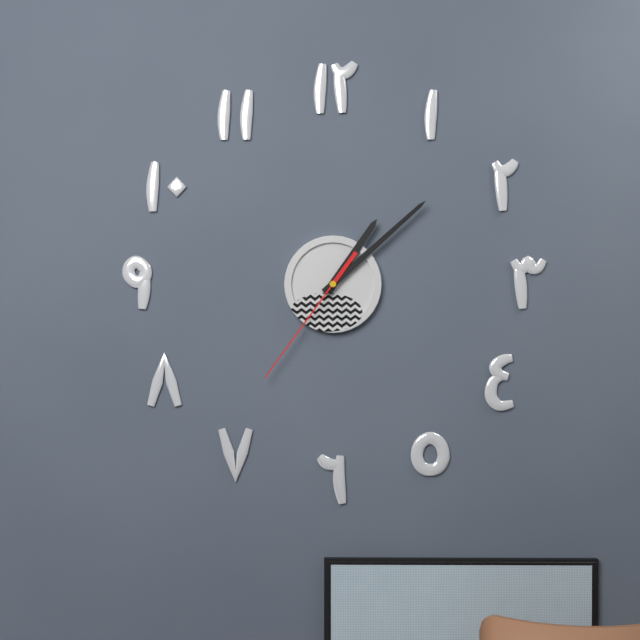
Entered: 1h08m36s
